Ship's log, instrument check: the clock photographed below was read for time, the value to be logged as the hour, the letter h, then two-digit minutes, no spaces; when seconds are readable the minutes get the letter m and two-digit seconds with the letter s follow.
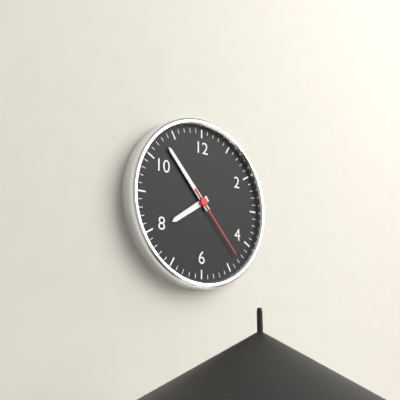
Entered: 7h53m23s
